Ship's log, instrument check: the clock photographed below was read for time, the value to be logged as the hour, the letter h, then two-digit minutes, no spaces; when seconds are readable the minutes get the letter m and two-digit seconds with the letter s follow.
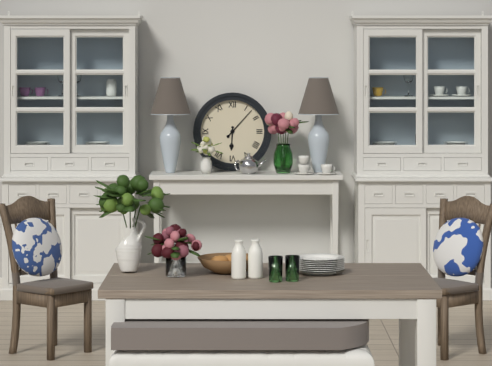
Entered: 6h07
